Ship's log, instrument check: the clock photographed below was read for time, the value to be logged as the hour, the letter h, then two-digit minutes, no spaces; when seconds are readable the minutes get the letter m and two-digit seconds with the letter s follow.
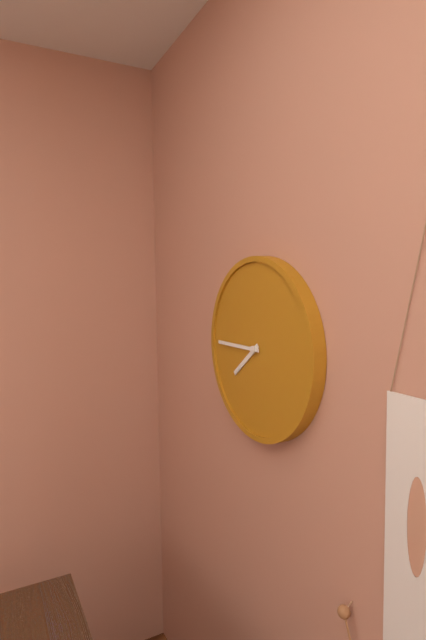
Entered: 7h45
